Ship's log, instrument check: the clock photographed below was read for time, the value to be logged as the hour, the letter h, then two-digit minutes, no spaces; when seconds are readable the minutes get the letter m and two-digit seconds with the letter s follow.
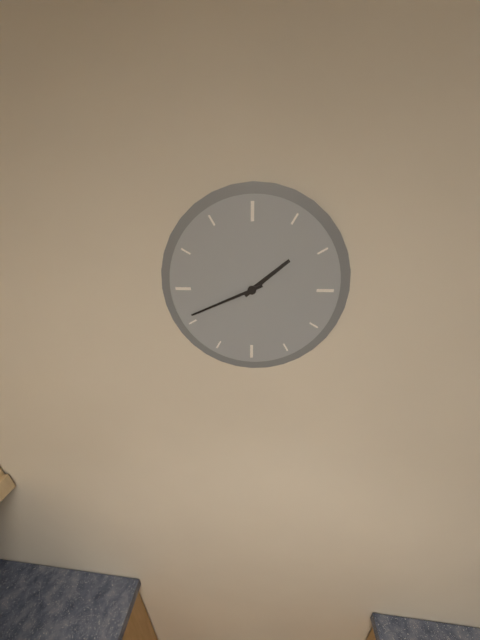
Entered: 1h41
